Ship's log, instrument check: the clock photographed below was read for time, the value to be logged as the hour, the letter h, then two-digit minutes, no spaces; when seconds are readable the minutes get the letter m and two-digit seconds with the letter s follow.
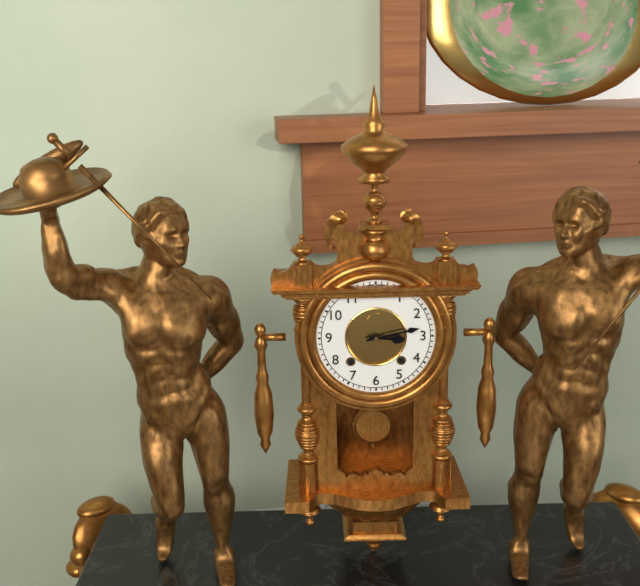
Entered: 3h13
